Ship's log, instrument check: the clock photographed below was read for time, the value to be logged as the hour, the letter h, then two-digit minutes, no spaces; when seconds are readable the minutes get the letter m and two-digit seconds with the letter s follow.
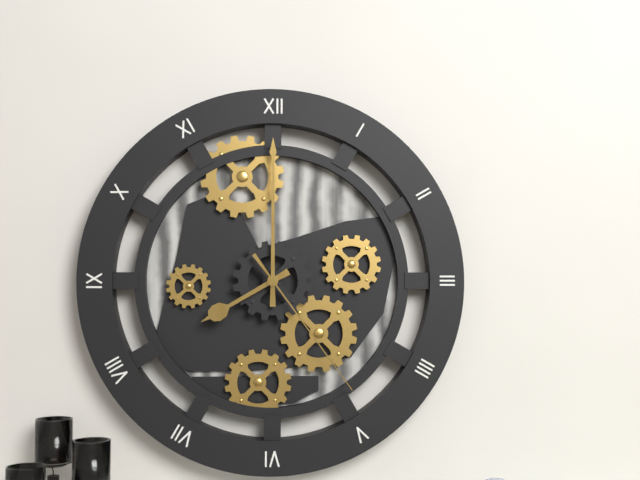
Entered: 8h00m24s
